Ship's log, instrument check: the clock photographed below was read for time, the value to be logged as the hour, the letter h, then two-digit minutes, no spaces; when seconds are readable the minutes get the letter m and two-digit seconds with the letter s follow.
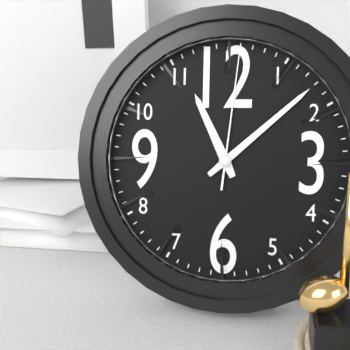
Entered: 11h08m01s
